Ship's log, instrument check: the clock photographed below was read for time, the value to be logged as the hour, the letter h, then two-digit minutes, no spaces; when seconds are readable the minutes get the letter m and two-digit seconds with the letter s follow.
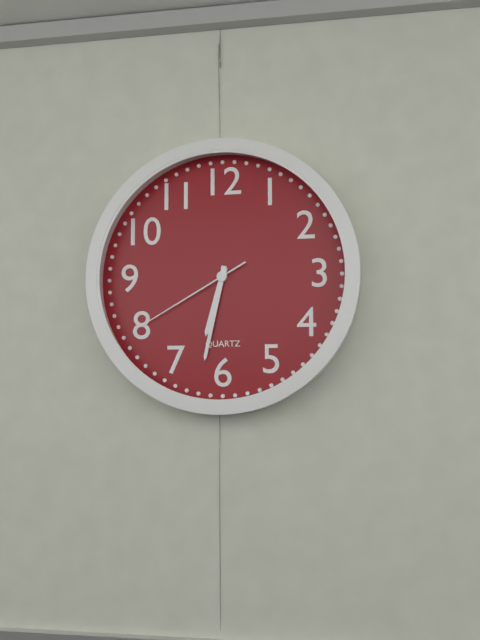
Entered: 6h32m40s
